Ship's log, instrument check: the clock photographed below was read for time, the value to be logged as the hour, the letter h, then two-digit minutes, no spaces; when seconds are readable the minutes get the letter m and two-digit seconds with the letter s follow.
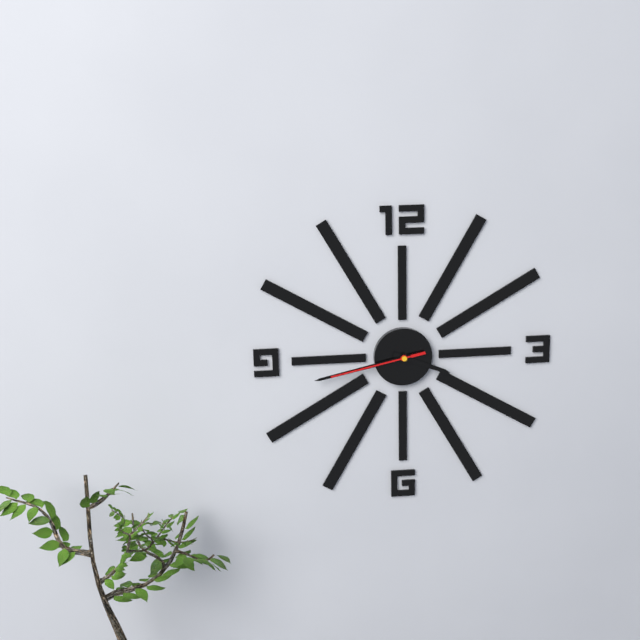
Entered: 3h43m43s
